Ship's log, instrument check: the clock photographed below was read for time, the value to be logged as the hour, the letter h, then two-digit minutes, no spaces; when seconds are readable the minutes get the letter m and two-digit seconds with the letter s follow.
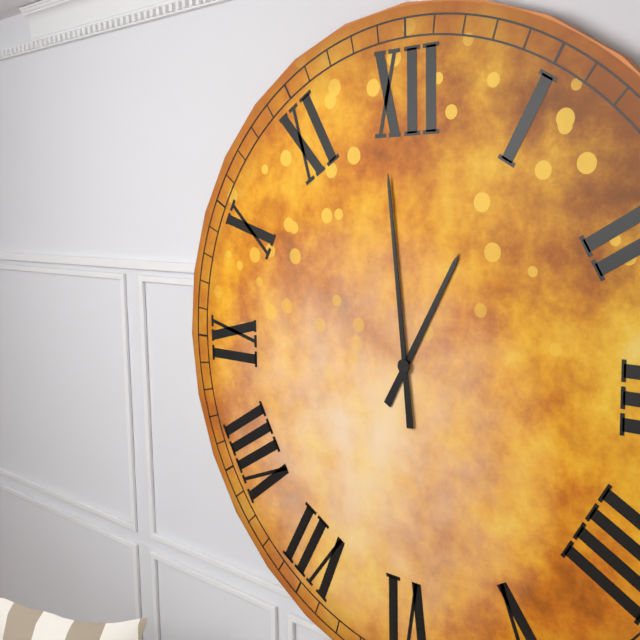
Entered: 12h59
